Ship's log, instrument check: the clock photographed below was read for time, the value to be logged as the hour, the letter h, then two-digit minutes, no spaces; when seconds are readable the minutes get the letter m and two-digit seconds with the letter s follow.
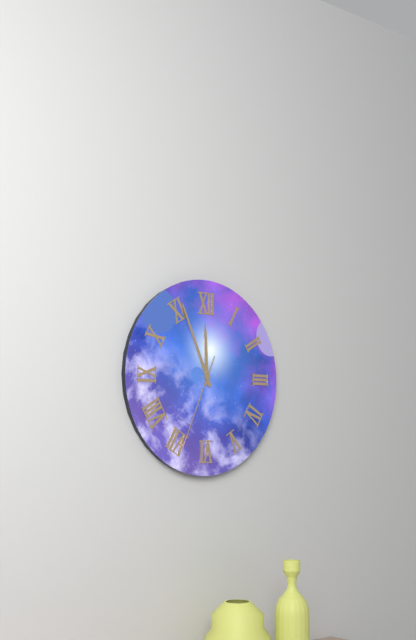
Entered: 11h56m34s
